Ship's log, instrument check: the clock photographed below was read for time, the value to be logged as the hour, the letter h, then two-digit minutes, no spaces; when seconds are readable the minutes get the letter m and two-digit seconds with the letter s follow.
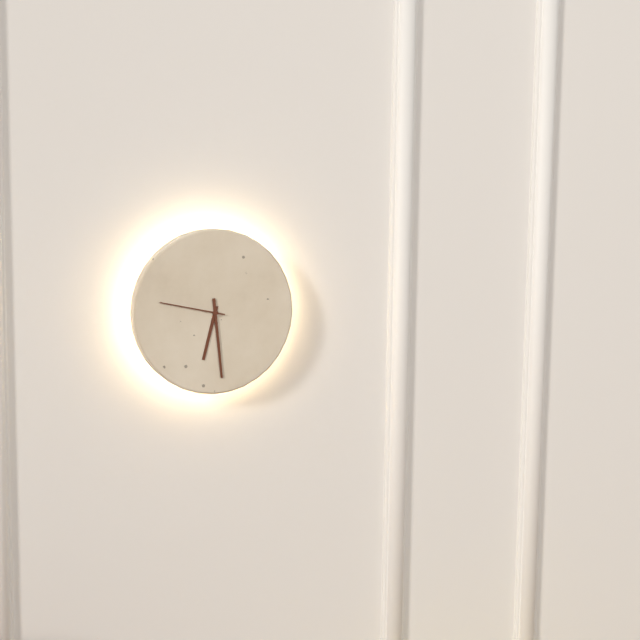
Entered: 6h29m47s
